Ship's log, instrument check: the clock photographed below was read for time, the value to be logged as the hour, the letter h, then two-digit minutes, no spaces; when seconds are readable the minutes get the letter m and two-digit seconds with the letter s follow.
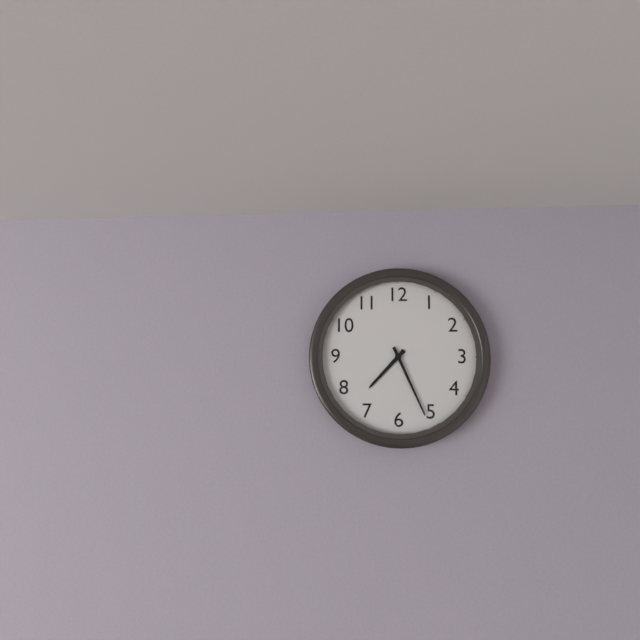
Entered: 7h26
